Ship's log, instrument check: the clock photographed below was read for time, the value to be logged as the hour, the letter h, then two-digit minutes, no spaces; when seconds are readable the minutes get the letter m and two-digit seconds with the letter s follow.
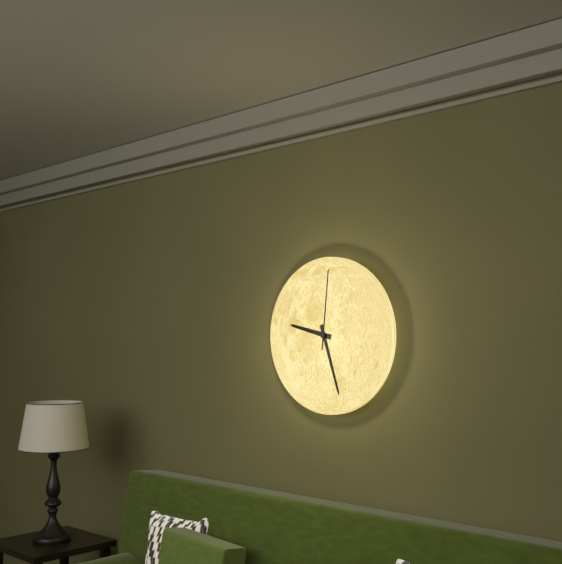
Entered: 9h27m01s
